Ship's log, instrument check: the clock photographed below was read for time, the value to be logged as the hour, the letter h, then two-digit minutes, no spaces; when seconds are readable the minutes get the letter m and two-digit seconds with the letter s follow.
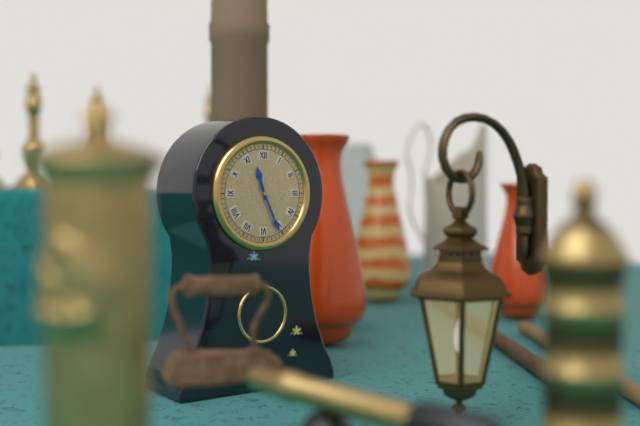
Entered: 11h26
